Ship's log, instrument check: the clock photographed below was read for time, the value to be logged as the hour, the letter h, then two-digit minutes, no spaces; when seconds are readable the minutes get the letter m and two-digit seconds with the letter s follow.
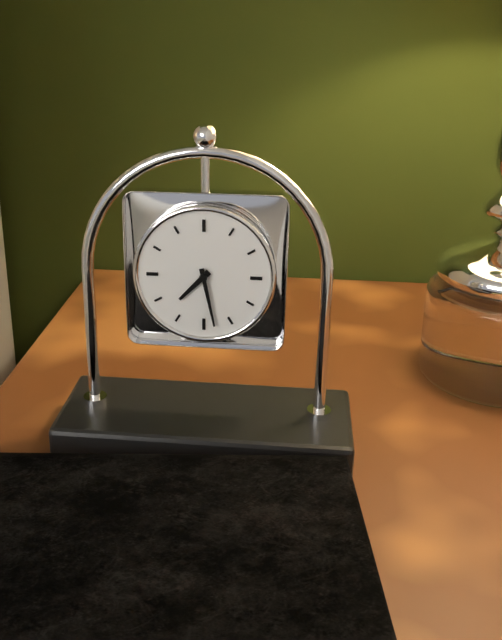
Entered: 7h28
